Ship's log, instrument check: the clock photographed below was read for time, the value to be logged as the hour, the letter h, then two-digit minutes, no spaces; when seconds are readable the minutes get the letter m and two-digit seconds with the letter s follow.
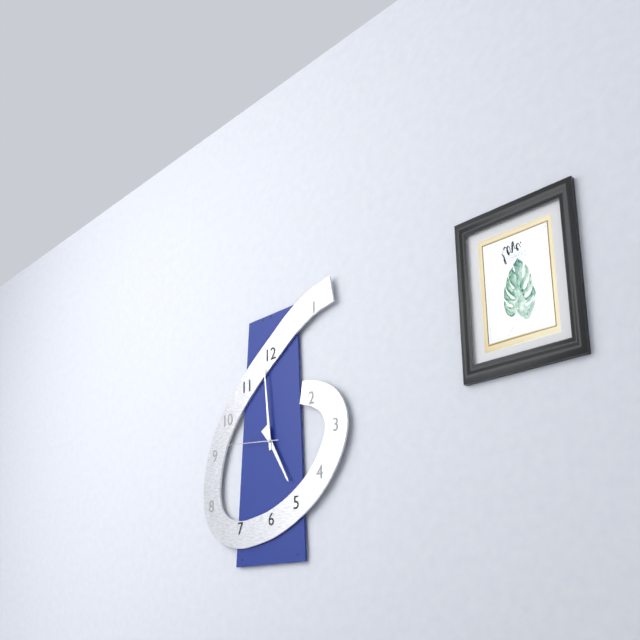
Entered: 4h59m46s
